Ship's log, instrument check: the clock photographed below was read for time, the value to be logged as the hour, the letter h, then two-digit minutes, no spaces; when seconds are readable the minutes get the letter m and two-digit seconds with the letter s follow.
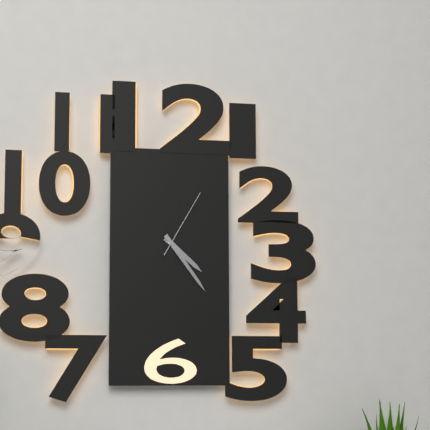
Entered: 4h24m05s
